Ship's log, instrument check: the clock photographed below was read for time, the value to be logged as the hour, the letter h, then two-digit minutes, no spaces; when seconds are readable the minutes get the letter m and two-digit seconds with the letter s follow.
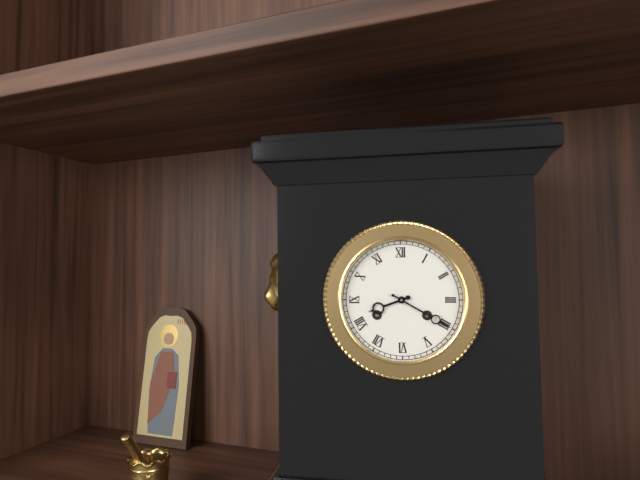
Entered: 8h20
